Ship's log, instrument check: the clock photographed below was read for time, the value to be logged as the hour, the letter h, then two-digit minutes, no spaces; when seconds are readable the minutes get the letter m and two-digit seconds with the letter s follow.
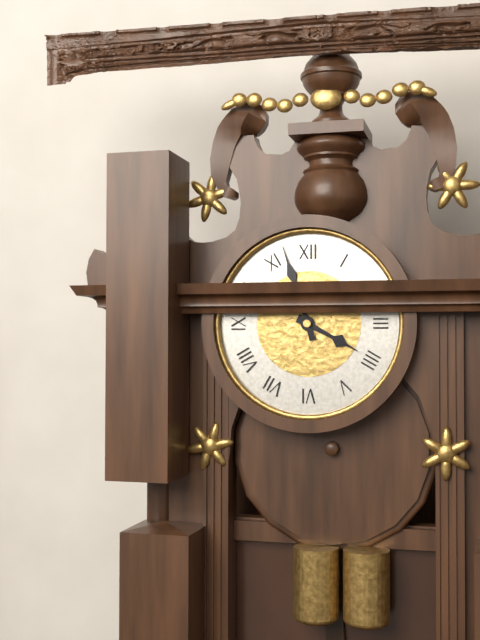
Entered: 3h57
